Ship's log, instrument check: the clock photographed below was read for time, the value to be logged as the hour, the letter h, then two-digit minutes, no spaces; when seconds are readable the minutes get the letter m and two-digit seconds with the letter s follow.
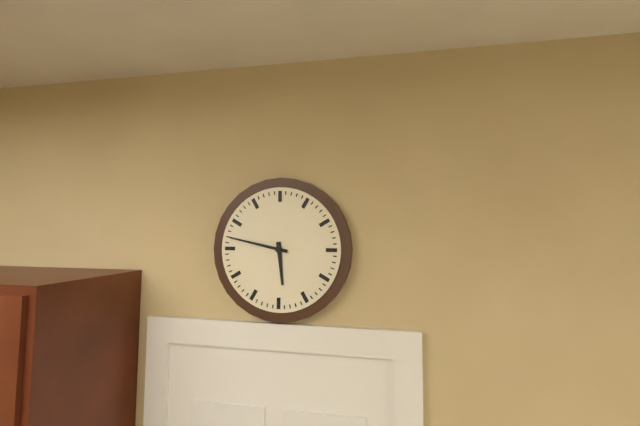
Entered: 5h47
